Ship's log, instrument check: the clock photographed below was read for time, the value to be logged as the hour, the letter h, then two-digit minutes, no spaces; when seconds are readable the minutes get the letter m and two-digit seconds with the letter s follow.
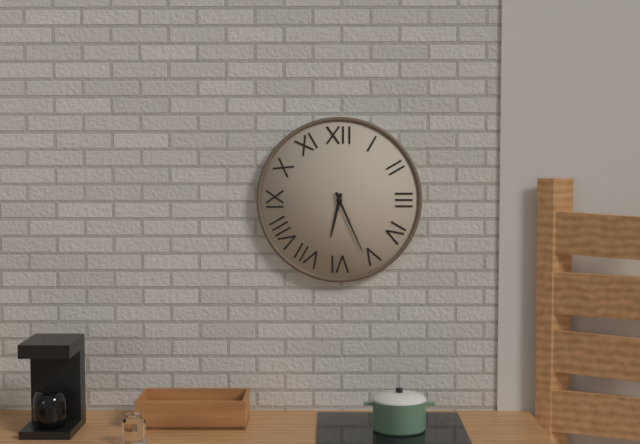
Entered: 6h26
